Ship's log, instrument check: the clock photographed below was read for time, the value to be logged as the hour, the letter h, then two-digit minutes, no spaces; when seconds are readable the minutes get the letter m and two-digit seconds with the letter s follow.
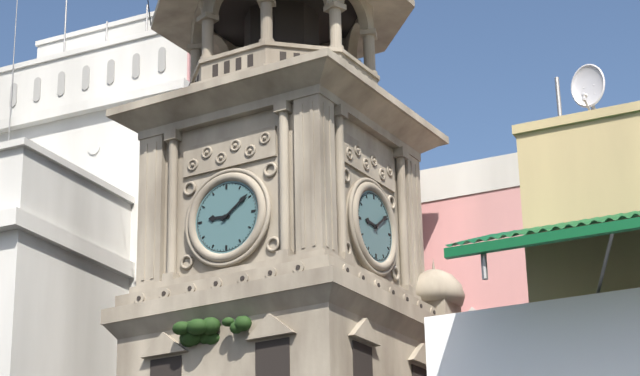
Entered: 9h09
